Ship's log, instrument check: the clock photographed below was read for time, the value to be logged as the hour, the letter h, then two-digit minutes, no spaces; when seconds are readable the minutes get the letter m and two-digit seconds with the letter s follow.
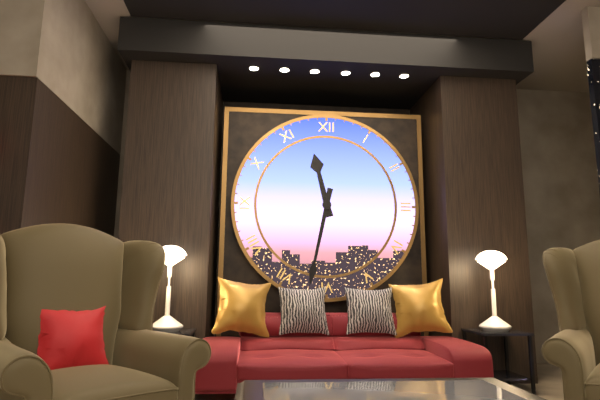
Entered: 11h32
